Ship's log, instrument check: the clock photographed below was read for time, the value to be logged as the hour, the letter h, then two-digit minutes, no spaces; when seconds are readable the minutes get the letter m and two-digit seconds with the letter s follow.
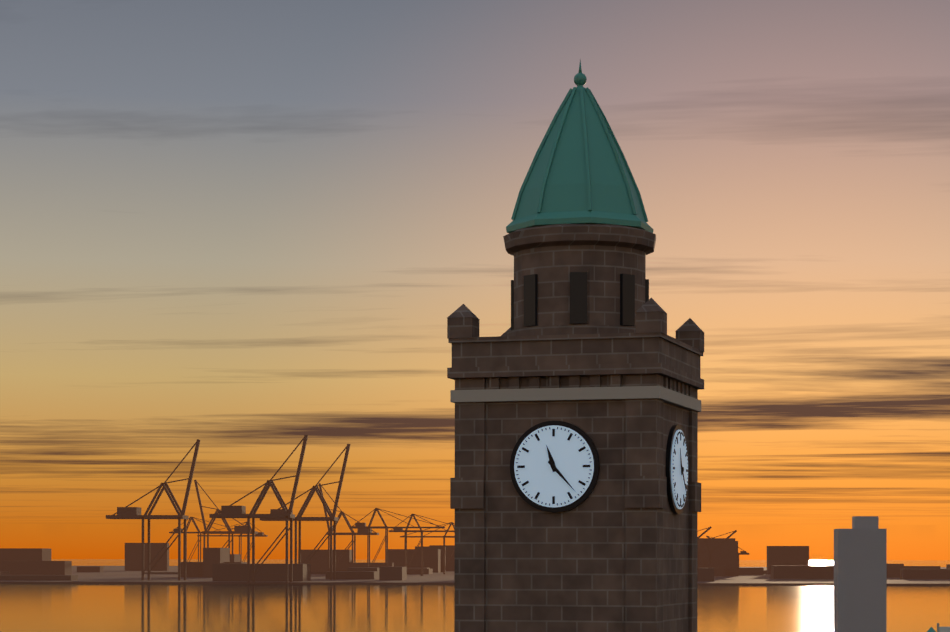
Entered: 11h23
